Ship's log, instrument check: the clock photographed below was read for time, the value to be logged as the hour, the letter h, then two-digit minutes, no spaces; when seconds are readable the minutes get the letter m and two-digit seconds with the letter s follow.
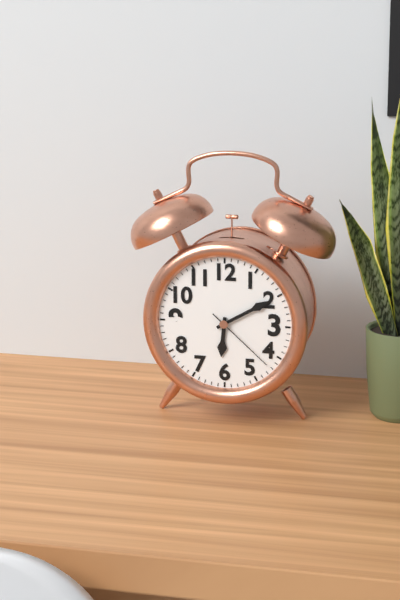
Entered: 6h10m22s
